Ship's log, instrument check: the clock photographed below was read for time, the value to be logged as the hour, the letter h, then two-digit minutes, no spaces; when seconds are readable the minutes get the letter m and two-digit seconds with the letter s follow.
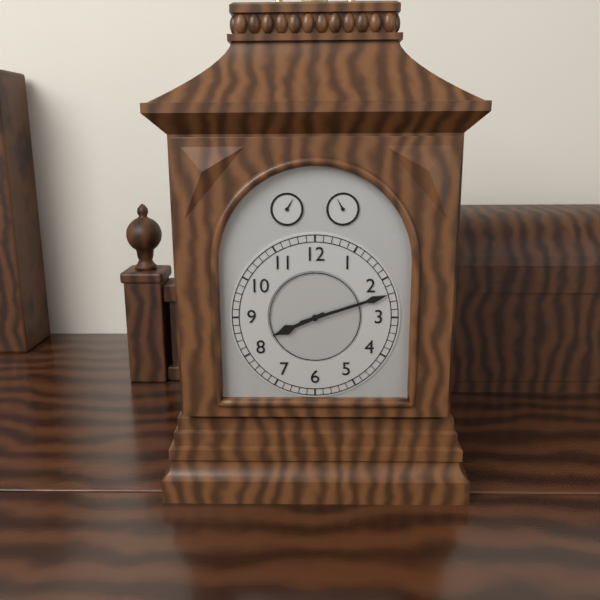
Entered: 8h12
